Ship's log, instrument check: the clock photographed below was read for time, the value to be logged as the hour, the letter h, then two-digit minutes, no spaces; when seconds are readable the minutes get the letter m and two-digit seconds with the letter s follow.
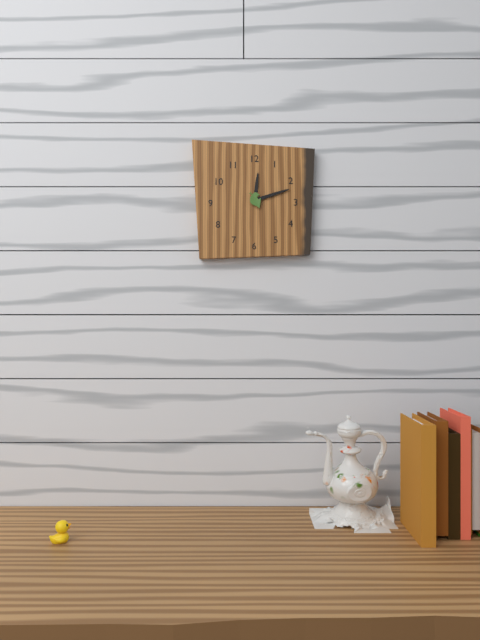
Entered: 12h12
